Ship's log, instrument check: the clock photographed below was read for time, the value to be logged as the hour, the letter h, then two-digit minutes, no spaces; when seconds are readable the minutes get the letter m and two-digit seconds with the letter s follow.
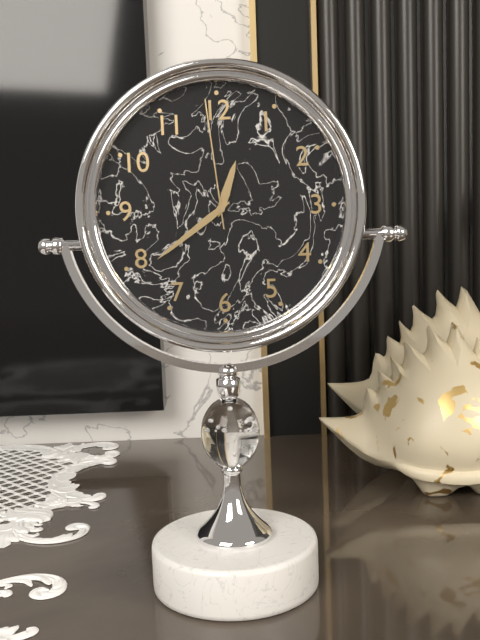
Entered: 12h39m59s
